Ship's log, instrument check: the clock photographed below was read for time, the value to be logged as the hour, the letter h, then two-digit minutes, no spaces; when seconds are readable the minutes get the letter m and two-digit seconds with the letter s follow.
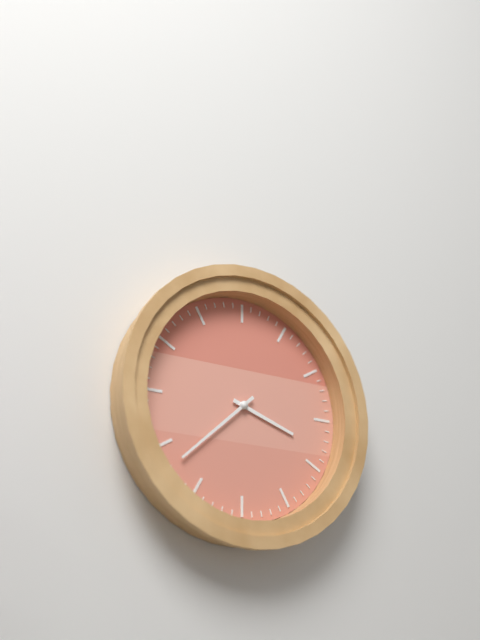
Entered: 3h38
